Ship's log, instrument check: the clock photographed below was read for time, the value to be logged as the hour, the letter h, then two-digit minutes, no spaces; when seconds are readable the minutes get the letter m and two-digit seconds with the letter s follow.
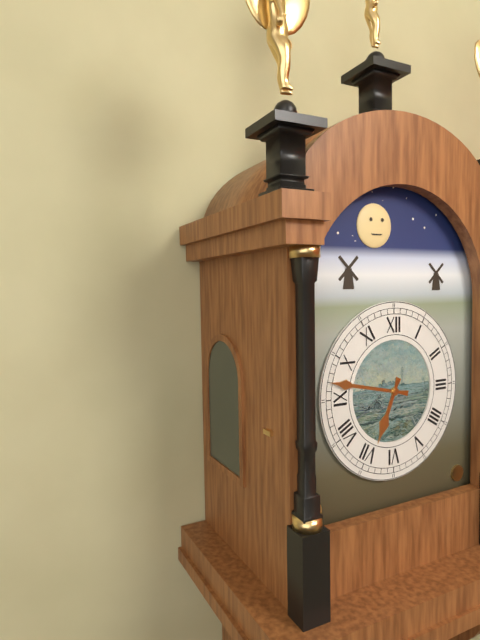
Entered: 6h47
